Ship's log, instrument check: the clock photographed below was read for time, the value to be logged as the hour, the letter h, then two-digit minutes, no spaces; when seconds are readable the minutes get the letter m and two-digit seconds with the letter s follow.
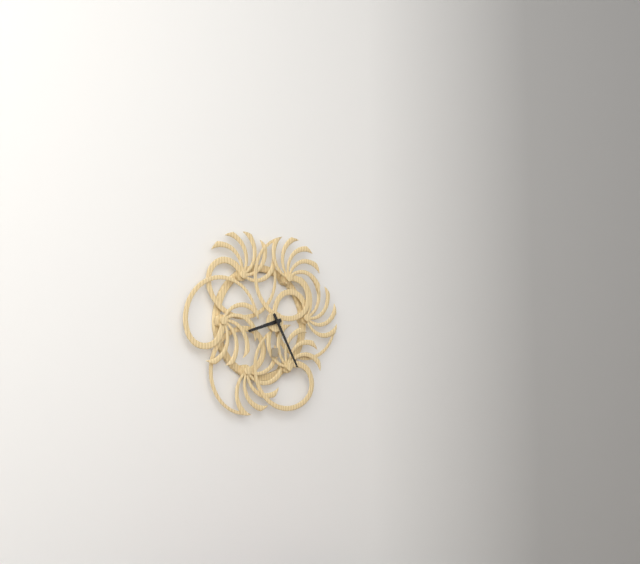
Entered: 8h25
